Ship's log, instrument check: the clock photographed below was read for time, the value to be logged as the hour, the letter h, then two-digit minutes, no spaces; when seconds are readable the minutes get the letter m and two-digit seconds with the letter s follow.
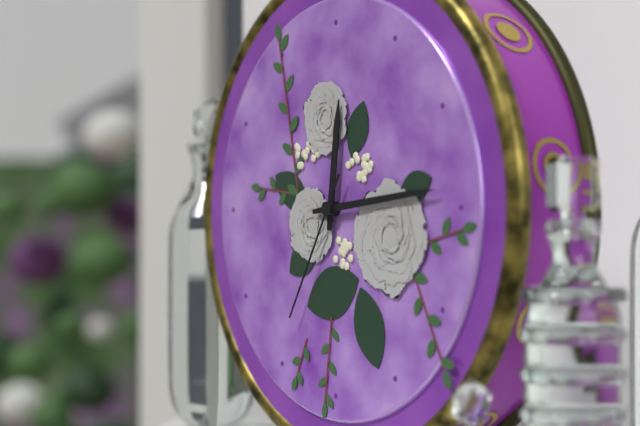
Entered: 12h14m35s
